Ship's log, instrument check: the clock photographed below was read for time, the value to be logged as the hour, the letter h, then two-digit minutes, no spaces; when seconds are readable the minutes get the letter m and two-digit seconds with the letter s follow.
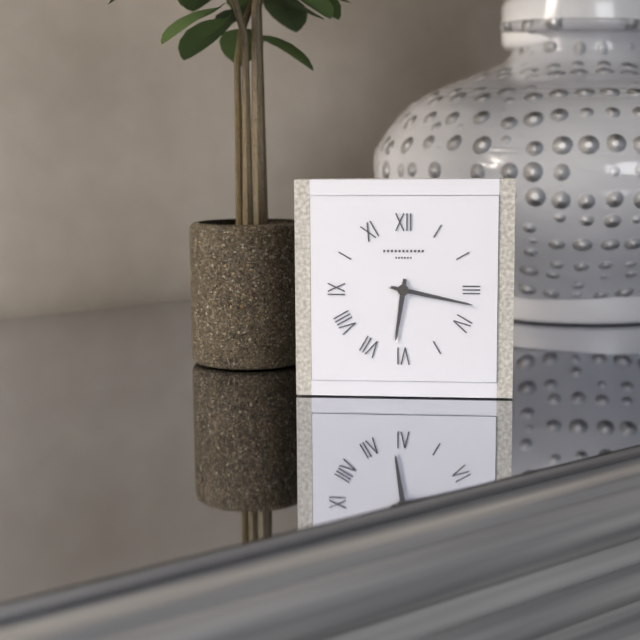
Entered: 6h17
